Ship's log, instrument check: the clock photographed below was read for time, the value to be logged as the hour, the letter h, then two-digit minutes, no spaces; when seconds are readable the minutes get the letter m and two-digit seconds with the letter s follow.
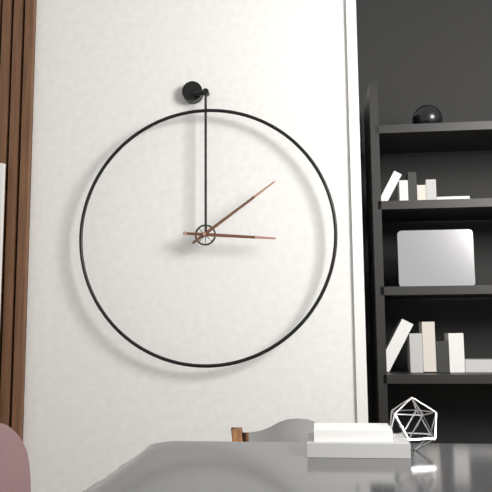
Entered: 3h09
